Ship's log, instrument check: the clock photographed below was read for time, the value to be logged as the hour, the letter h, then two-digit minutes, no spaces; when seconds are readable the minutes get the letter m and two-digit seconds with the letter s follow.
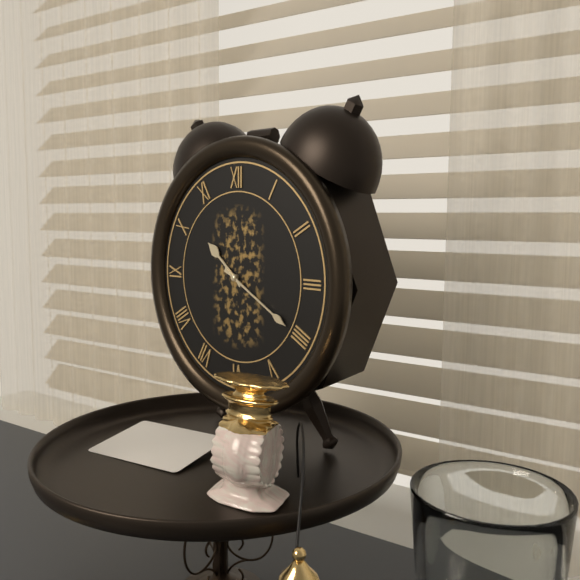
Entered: 10h20
